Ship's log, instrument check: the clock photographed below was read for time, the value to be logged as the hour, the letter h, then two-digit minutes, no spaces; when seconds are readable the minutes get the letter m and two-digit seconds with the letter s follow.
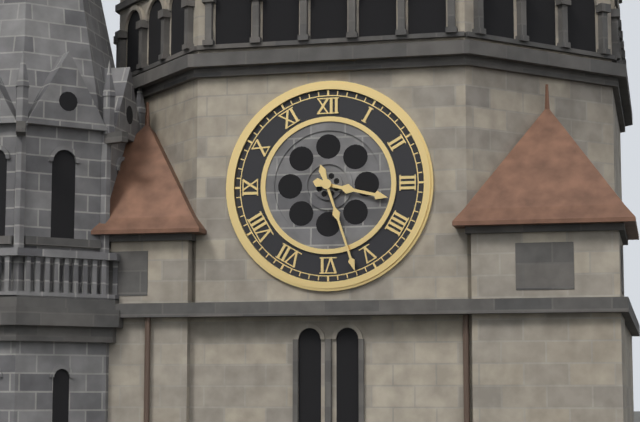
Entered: 3h27
